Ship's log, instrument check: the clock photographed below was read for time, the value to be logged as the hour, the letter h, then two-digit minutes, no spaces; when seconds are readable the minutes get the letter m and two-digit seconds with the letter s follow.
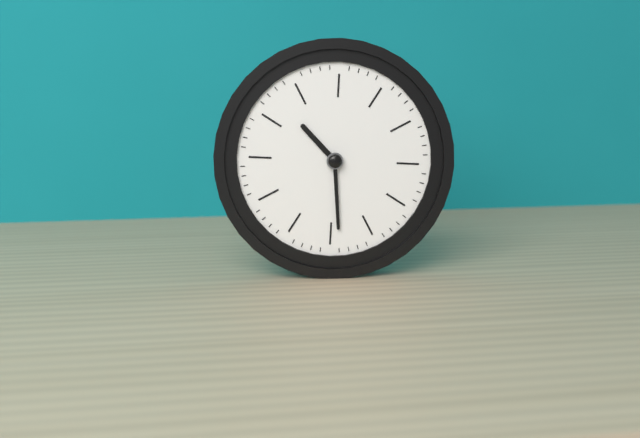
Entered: 10h29
